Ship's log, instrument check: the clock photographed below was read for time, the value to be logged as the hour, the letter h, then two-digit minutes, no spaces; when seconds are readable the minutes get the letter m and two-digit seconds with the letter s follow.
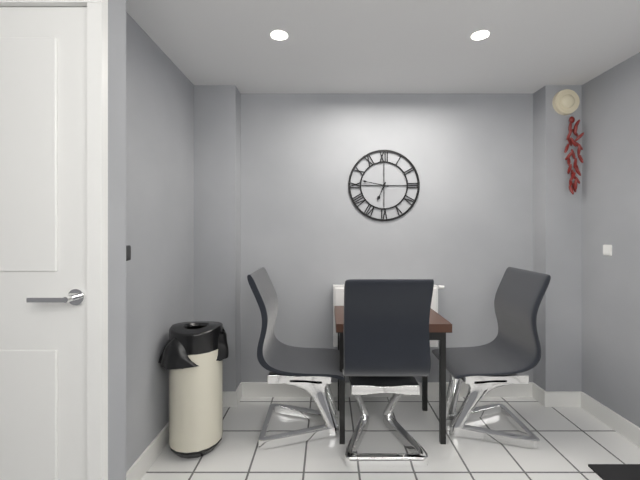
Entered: 6h47
